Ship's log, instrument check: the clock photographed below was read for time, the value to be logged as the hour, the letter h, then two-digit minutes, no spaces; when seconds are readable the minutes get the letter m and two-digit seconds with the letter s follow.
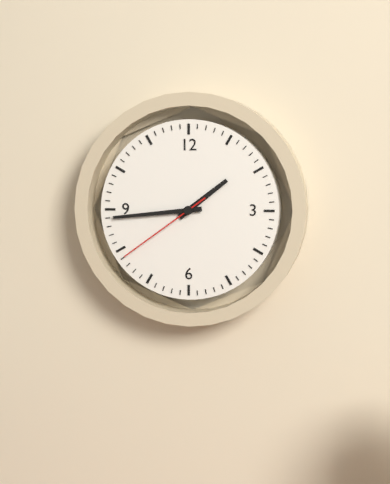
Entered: 1h44m39s
